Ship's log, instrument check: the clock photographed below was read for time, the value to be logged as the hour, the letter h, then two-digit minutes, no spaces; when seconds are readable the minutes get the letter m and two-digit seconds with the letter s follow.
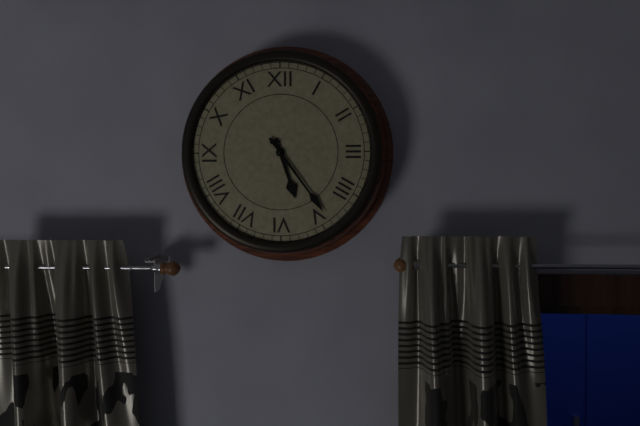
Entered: 5h24
